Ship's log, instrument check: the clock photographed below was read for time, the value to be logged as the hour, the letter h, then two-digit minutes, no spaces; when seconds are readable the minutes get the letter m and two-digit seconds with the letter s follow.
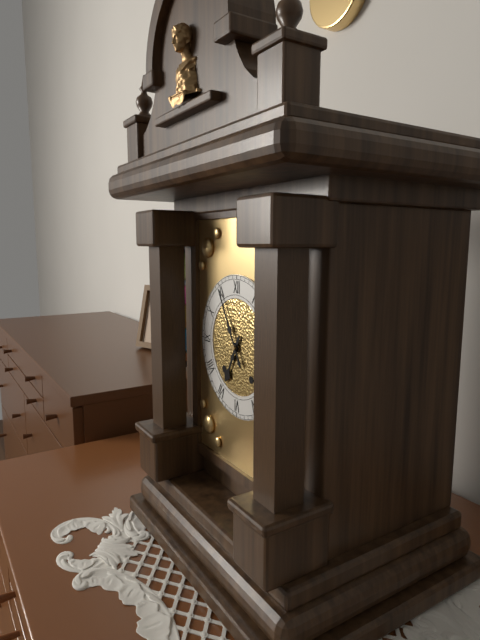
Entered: 6h55
